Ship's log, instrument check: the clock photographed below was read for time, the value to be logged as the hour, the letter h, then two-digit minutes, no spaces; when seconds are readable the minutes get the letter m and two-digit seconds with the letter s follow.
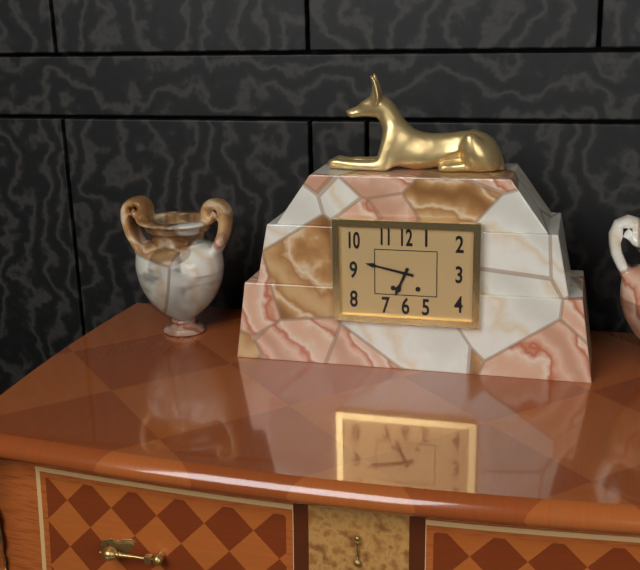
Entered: 6h47
